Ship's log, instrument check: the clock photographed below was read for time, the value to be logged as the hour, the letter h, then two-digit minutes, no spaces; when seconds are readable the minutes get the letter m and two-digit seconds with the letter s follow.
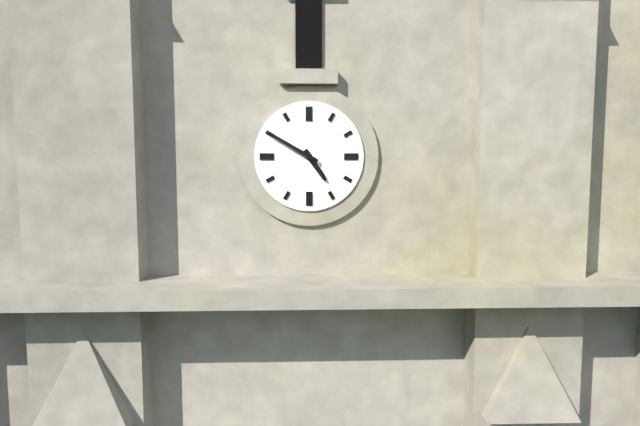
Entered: 4h50
